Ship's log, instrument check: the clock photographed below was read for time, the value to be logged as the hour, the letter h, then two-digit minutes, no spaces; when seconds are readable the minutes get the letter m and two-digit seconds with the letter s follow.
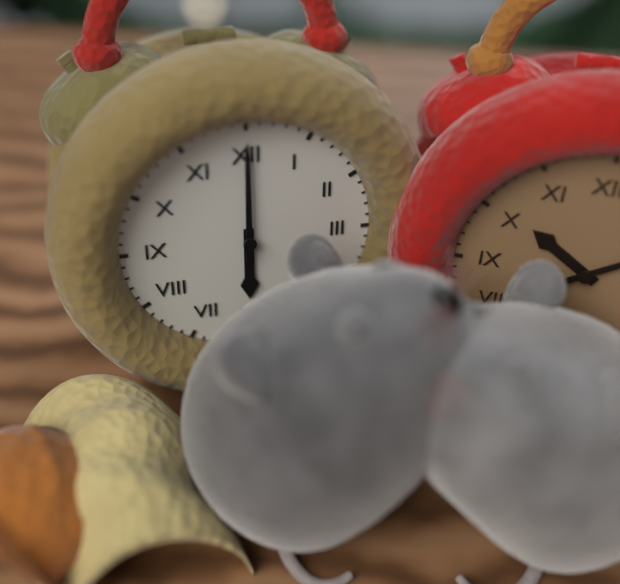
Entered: 6h00
